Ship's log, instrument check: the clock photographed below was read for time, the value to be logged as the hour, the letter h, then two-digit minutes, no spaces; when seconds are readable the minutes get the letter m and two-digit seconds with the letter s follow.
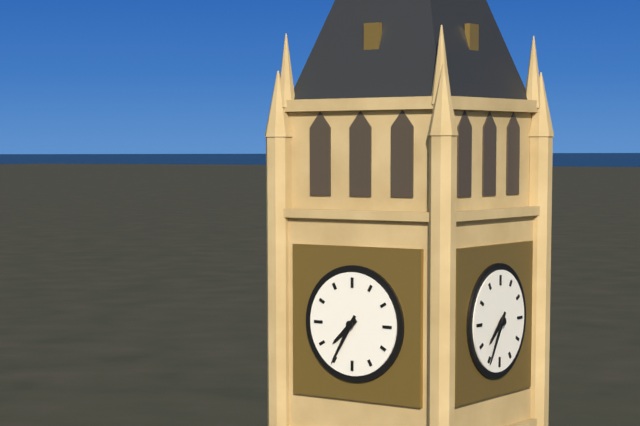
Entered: 7h35
